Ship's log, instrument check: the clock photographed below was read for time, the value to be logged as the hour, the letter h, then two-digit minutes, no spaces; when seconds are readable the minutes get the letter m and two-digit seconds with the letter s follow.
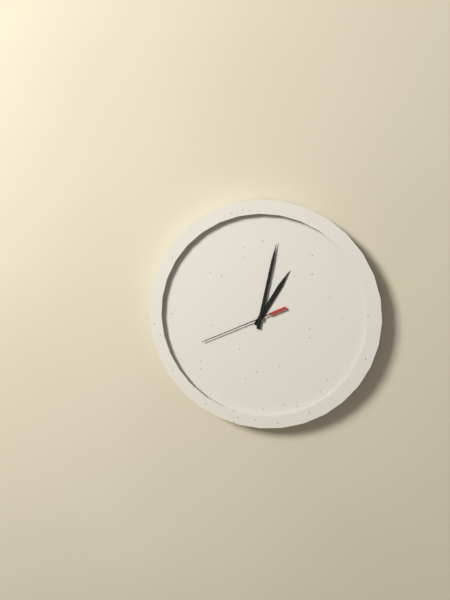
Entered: 1h02m41s
